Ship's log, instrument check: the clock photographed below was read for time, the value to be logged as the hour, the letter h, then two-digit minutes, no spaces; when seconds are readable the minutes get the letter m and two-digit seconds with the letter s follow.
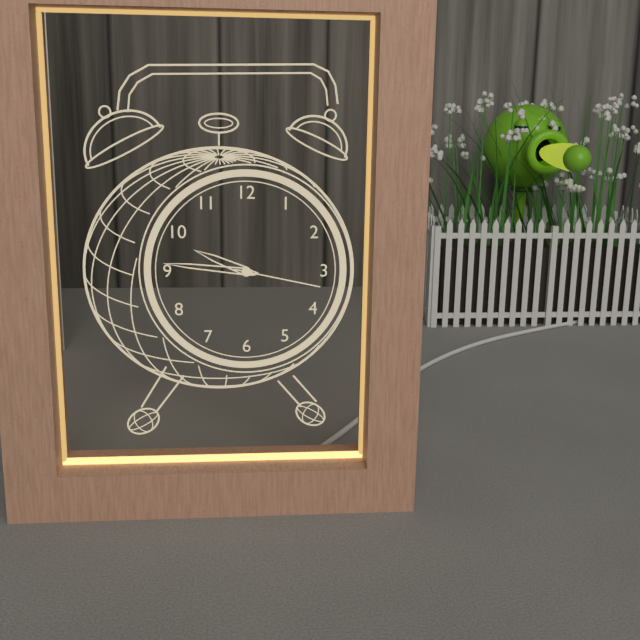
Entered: 9h46m17s
